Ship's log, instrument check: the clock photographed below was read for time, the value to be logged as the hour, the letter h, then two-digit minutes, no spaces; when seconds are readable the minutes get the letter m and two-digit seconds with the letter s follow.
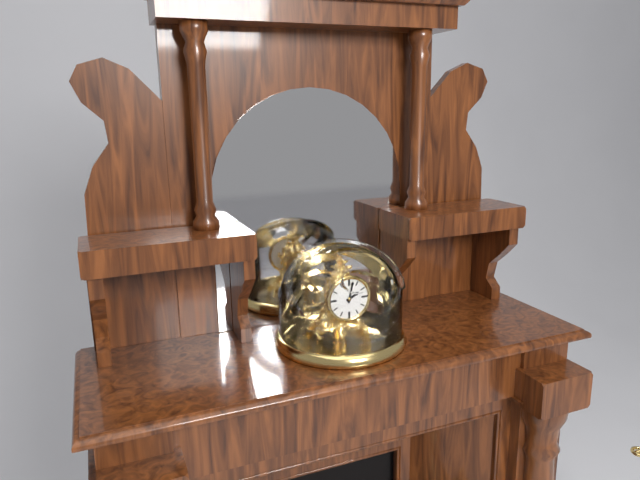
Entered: 2h02
